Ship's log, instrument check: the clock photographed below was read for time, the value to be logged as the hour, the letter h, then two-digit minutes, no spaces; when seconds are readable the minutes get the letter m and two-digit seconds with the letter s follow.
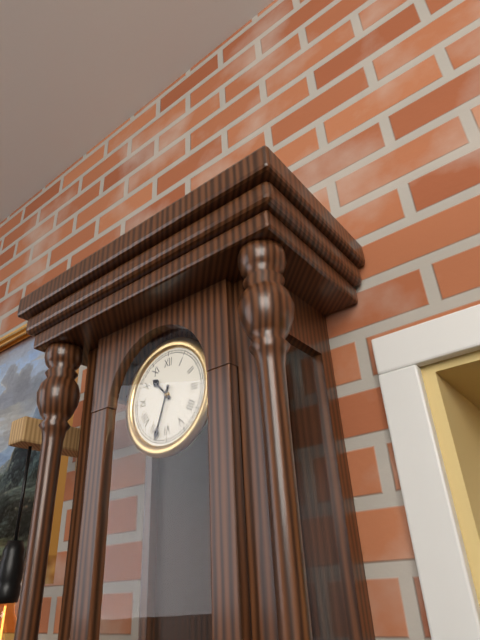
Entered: 10h33
